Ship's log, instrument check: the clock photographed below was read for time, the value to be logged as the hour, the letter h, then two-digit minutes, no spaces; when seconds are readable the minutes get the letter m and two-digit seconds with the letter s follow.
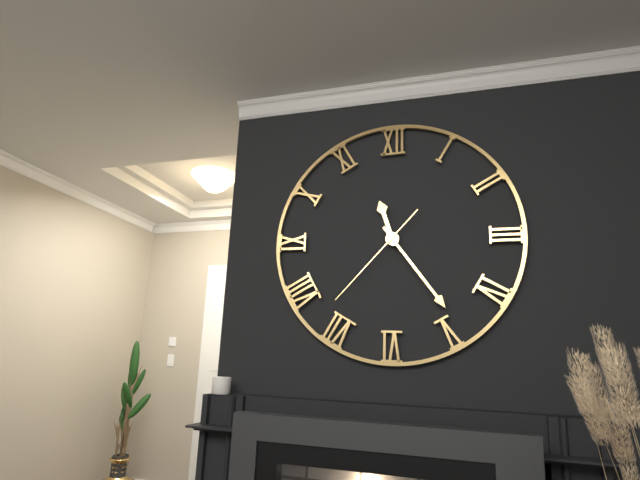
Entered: 11h24m37s
